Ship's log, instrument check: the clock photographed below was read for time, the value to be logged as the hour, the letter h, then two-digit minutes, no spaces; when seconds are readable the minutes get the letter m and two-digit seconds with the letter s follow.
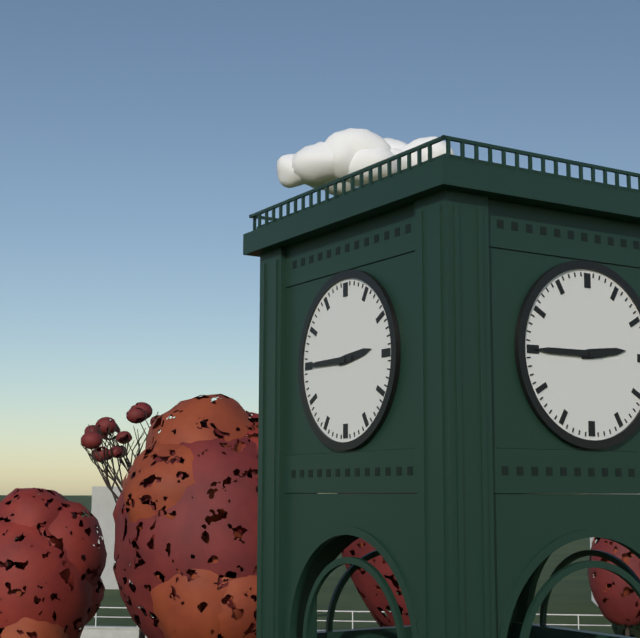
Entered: 2h45
